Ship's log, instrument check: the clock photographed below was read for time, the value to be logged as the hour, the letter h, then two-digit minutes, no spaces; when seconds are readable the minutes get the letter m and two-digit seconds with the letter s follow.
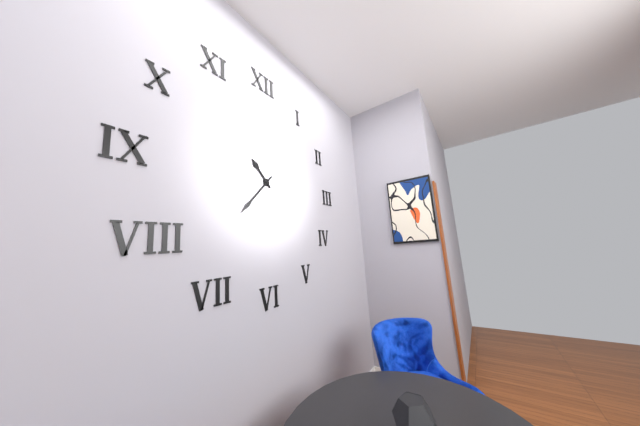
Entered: 10h37
